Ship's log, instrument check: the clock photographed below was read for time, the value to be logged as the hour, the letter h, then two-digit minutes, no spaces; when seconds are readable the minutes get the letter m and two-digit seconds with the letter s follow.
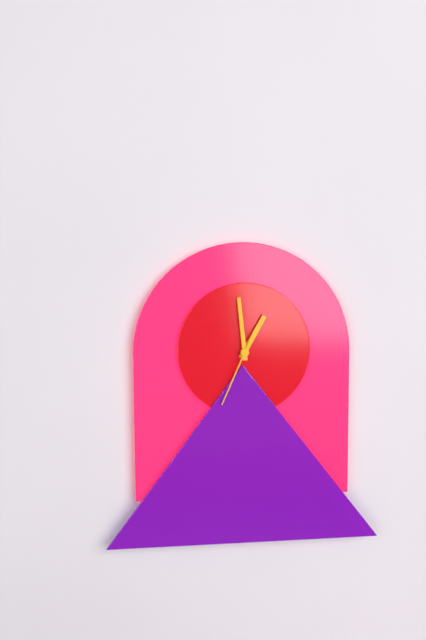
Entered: 12h59m34s
